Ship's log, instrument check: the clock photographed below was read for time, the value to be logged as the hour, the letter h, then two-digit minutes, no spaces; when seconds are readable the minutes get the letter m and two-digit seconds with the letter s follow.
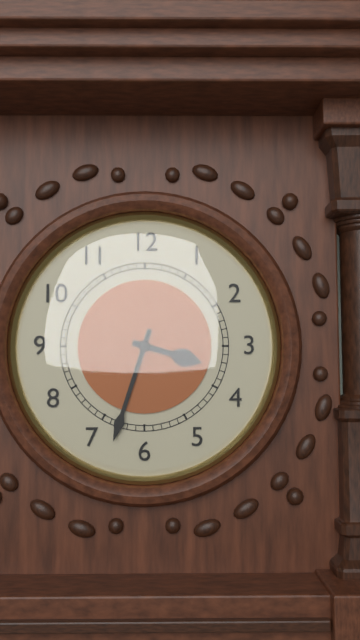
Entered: 3h33
